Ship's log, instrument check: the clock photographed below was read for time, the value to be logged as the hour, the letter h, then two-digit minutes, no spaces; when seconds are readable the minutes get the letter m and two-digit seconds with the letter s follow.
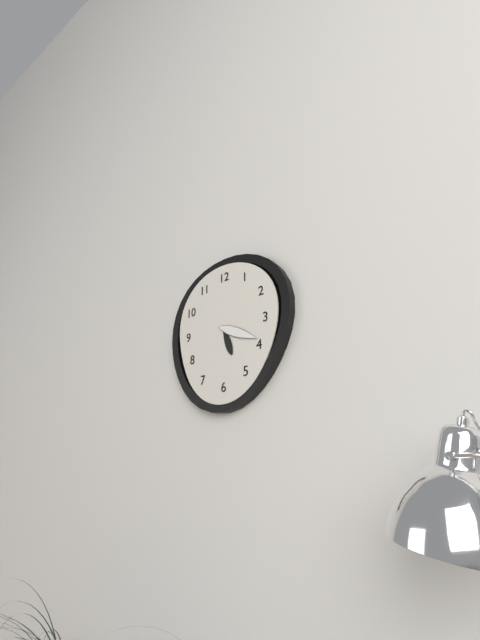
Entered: 5h19
